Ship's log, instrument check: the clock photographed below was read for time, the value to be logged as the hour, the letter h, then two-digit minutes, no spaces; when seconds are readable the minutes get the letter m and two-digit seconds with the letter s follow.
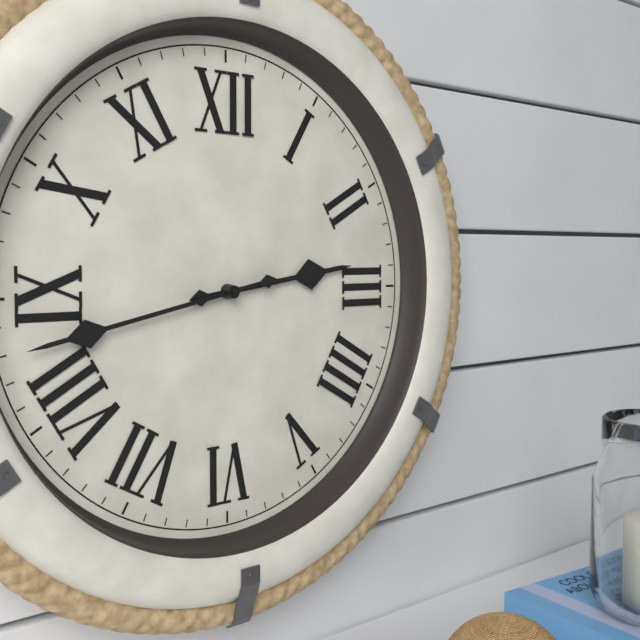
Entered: 2h43
